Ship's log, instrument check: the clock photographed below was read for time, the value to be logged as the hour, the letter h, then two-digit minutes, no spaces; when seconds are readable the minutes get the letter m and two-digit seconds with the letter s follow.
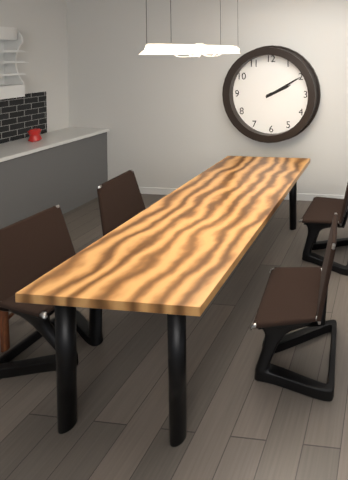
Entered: 2h10
